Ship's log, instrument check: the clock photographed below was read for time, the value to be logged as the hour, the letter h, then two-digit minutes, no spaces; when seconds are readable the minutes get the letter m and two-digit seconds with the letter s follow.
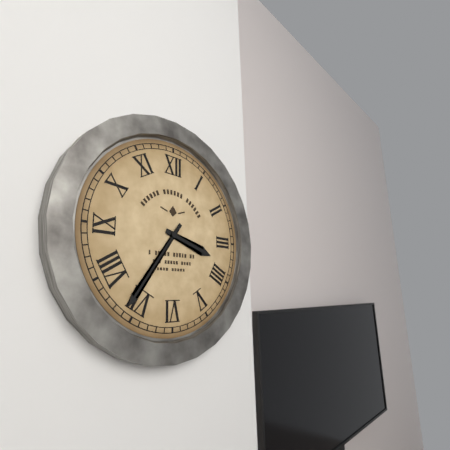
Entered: 3h36
